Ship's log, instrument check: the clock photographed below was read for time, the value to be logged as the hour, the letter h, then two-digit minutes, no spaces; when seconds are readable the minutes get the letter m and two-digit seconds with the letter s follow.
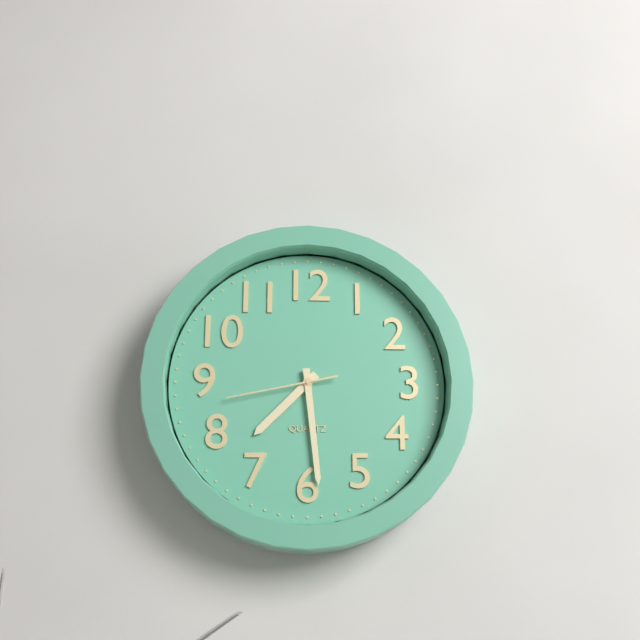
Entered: 7h29m43s
